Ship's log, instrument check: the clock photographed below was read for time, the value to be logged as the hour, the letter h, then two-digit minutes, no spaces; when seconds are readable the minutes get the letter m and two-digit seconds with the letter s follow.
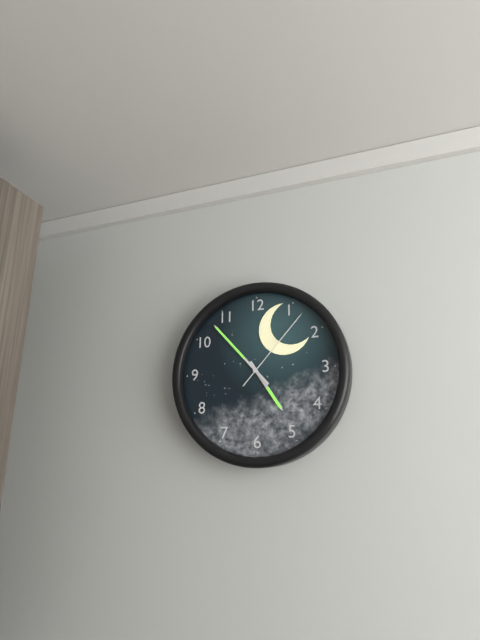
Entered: 4h53m07s
